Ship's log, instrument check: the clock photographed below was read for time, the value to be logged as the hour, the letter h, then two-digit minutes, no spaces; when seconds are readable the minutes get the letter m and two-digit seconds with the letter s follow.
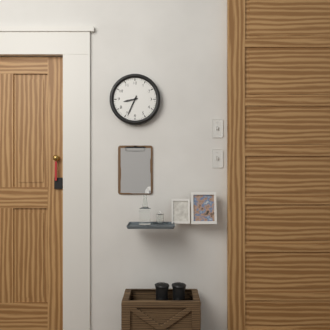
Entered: 8h34
